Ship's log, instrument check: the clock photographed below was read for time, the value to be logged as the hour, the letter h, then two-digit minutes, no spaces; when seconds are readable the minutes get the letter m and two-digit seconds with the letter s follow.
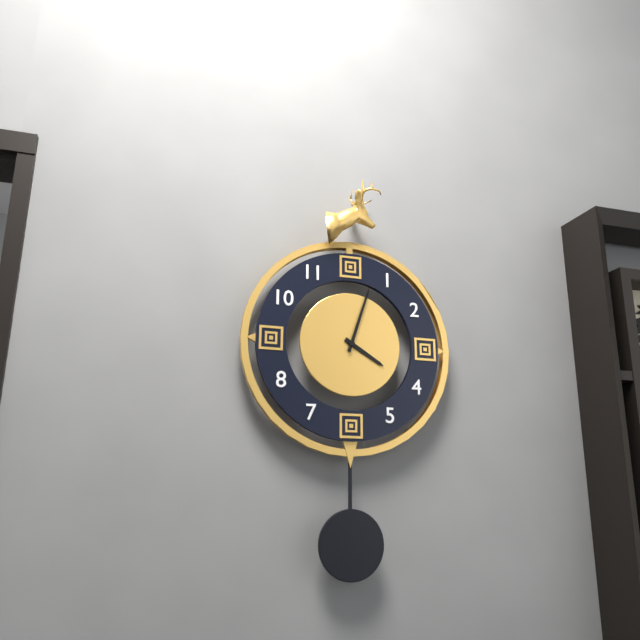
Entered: 4h03
